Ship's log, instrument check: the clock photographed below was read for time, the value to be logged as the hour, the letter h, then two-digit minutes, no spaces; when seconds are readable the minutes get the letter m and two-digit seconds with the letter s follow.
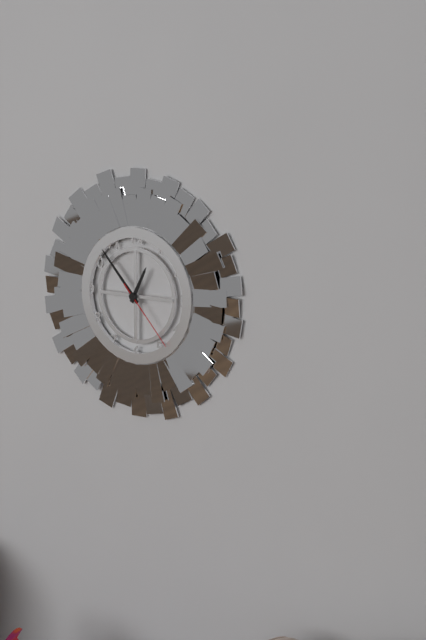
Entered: 12h53m23s
